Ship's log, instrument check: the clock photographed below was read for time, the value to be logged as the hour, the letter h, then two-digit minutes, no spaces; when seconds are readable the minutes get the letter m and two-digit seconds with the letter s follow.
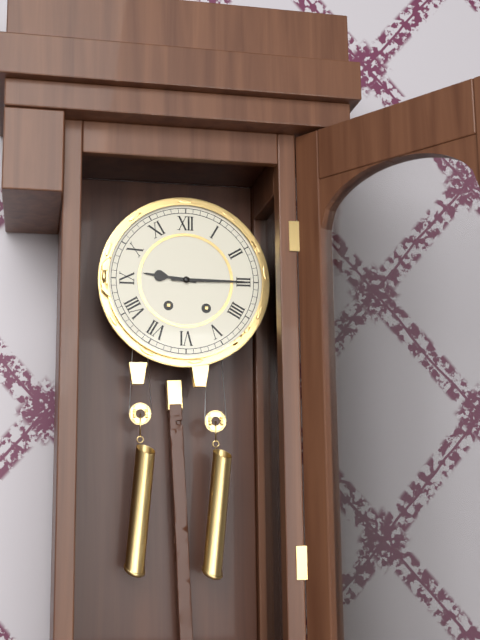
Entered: 9h15
